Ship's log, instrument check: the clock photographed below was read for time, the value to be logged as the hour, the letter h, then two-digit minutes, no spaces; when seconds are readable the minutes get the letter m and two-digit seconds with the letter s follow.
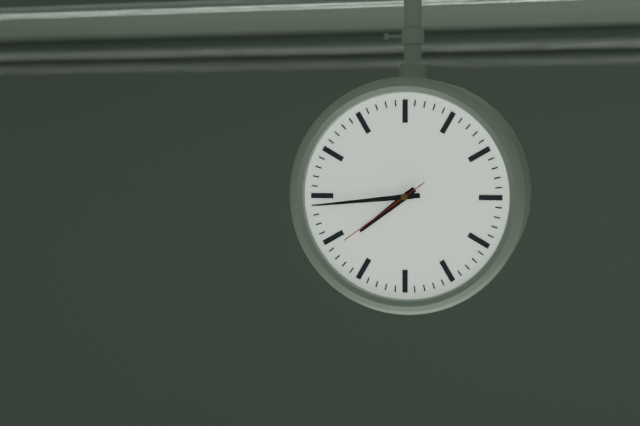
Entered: 7h44m39s
